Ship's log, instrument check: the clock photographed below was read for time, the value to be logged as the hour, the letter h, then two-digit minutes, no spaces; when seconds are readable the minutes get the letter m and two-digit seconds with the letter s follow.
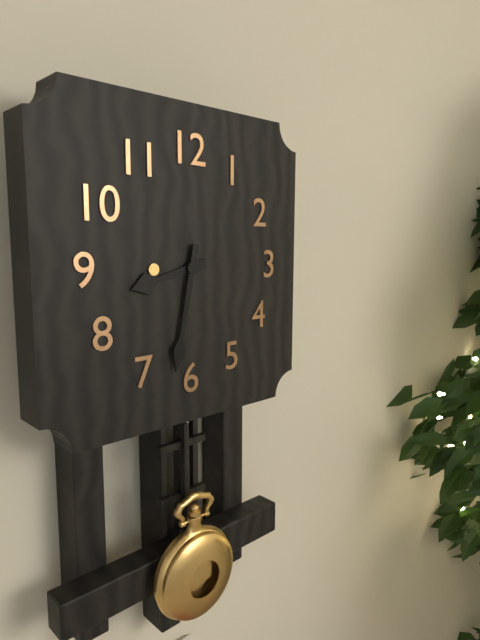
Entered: 8h32
